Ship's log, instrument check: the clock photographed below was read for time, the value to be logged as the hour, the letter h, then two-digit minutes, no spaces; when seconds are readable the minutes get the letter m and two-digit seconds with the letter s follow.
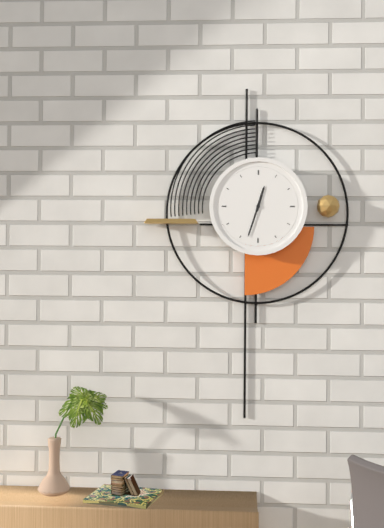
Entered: 12h33
